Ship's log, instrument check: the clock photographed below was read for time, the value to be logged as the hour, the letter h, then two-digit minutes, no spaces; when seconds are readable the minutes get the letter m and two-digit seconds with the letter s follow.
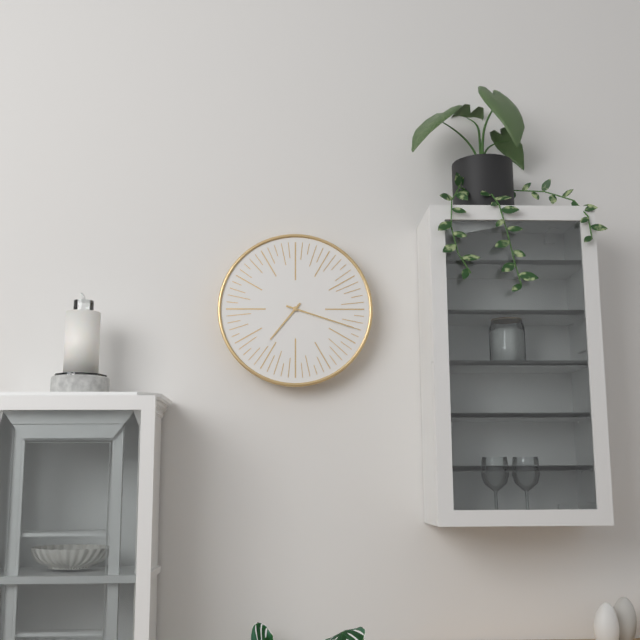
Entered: 7h18
